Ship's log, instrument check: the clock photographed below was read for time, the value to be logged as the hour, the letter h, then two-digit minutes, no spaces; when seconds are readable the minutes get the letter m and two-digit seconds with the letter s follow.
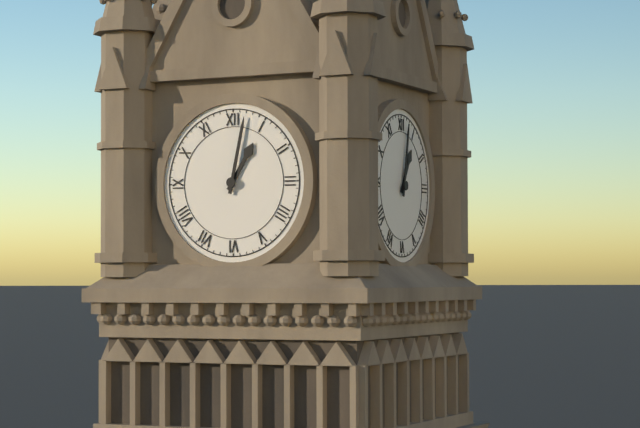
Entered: 1h02
